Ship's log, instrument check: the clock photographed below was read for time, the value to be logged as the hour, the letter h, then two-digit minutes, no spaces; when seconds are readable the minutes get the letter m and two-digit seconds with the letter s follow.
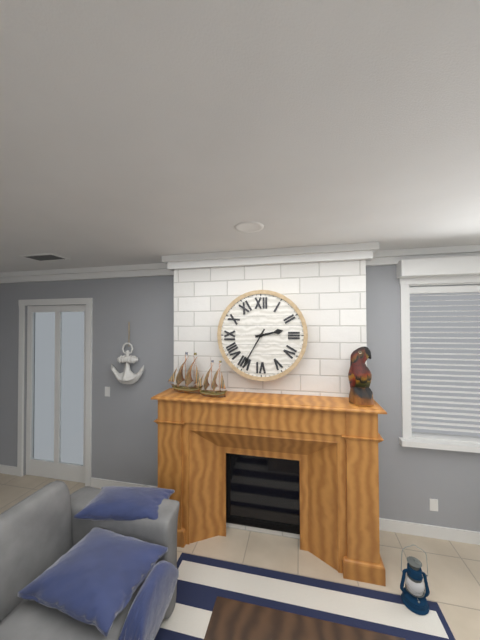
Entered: 2h35
